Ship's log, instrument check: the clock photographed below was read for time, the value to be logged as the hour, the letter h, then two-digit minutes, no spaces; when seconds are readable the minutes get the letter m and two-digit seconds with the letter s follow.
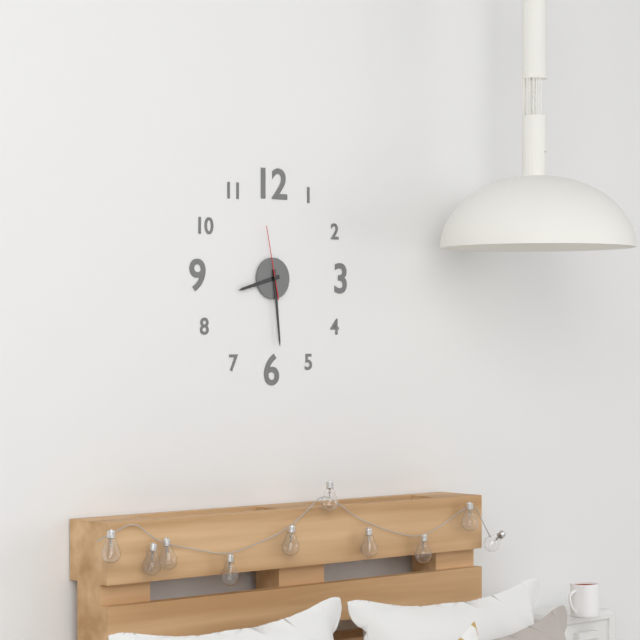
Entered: 8h29m58s
